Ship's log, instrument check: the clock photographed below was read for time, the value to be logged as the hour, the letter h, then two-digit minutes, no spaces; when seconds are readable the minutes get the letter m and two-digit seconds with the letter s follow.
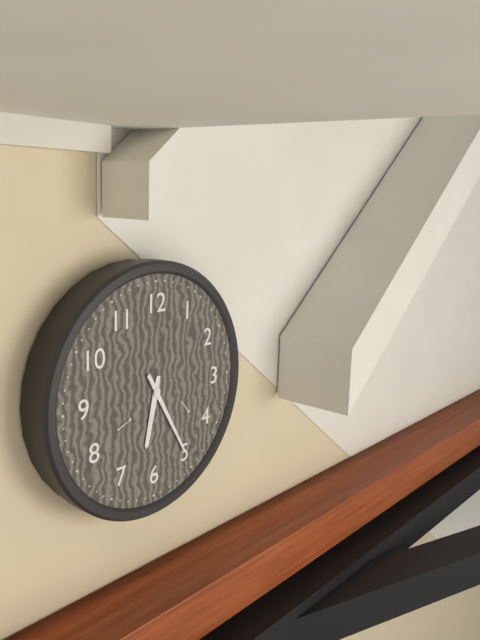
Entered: 6h25
